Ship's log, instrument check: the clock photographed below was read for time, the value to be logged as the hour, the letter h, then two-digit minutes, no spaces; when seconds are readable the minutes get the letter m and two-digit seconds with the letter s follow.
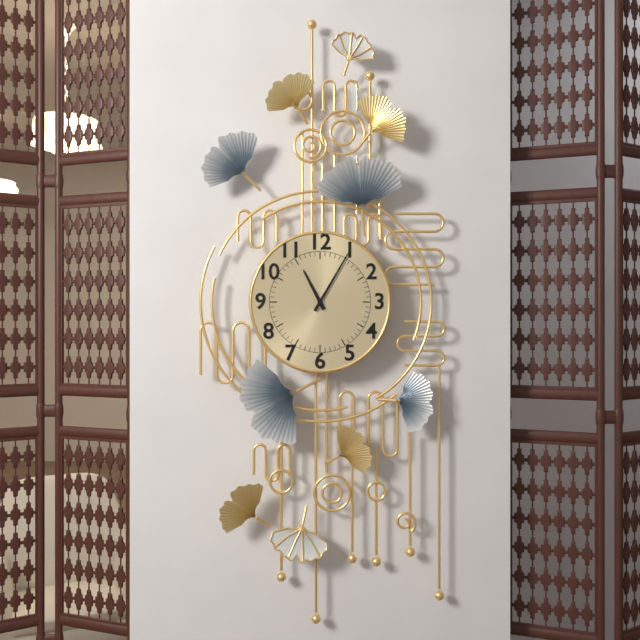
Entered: 11h05
